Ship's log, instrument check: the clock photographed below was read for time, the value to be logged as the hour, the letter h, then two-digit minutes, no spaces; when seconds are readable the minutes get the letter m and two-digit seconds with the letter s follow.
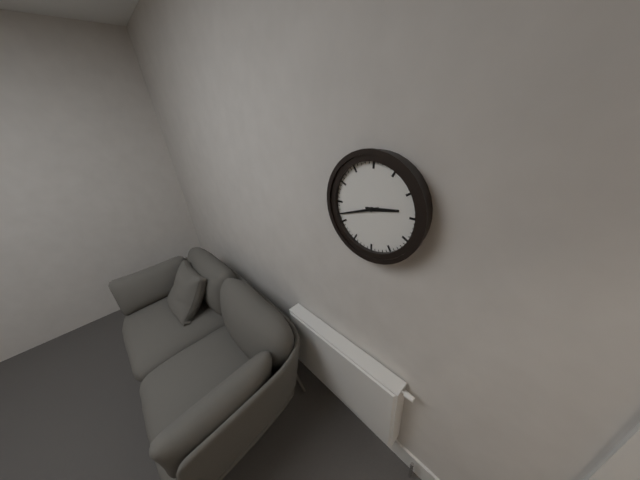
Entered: 2h42
